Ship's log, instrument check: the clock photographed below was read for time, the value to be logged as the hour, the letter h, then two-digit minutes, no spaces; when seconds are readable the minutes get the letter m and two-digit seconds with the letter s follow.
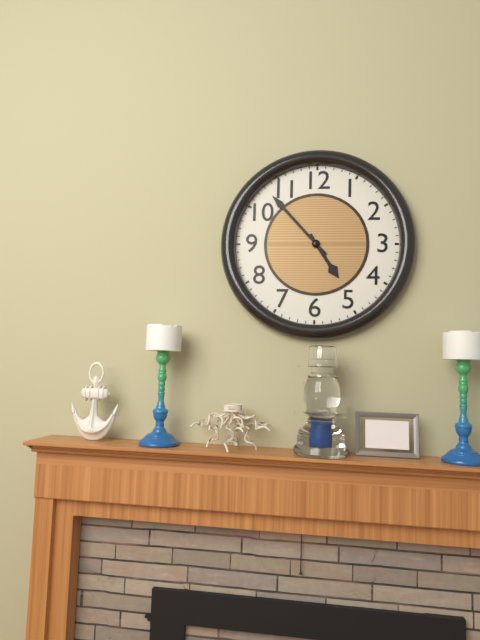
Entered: 4h53
